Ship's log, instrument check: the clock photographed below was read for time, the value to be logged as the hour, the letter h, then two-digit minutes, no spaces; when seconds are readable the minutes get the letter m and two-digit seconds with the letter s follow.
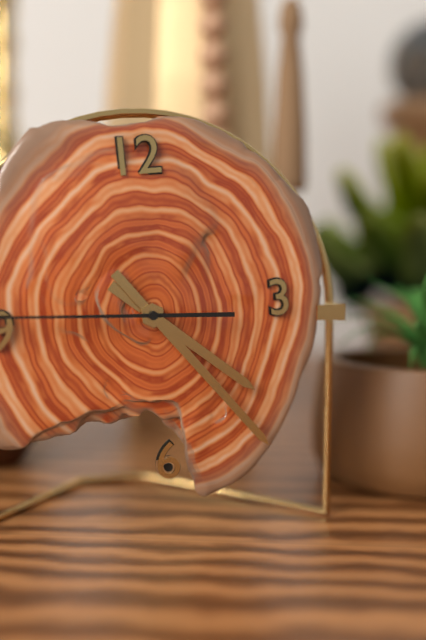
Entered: 4h24
